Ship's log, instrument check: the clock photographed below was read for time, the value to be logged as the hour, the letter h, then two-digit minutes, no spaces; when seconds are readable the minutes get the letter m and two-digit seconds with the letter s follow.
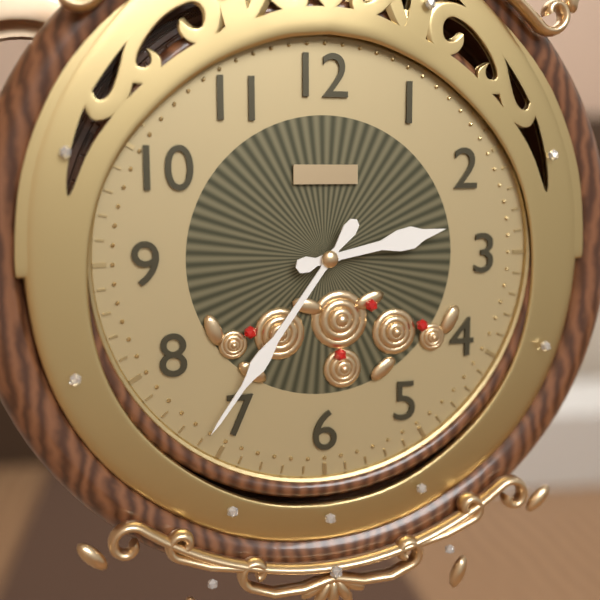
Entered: 2h36
